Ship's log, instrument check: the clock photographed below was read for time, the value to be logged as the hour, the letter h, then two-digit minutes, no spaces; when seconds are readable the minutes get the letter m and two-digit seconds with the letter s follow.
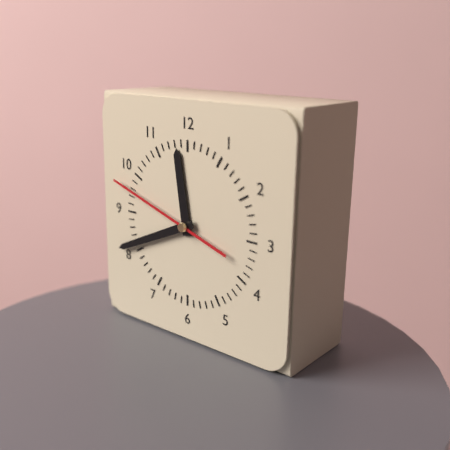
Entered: 11h41m48s
